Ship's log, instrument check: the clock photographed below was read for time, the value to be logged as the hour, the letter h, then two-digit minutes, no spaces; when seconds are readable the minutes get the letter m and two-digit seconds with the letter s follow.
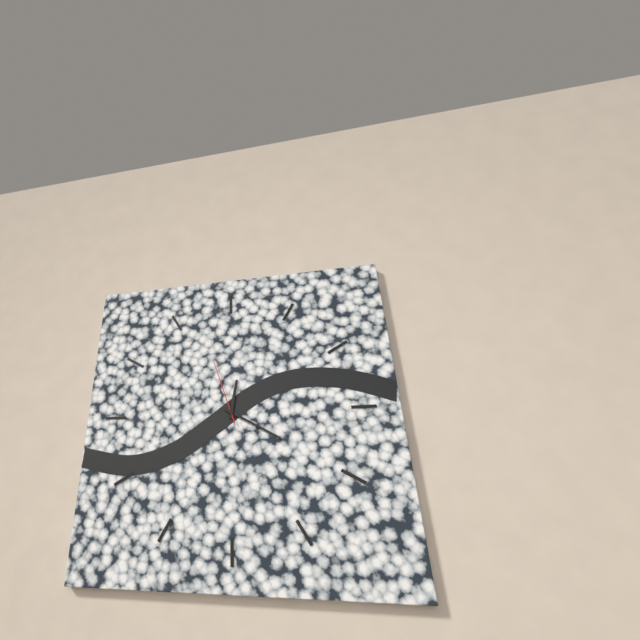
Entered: 12h20m57s
